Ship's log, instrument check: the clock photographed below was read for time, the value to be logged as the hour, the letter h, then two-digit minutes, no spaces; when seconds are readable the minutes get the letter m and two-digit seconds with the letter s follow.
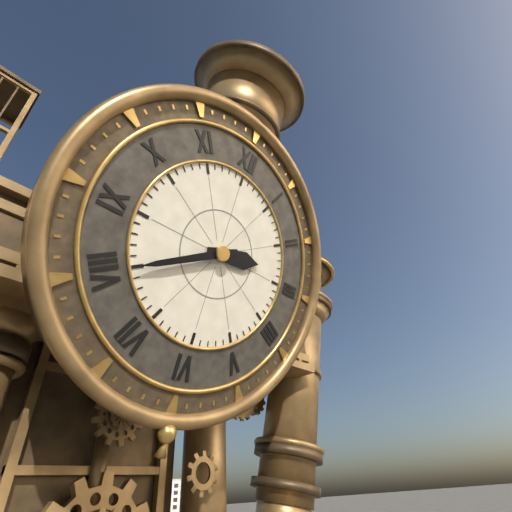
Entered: 2h40
